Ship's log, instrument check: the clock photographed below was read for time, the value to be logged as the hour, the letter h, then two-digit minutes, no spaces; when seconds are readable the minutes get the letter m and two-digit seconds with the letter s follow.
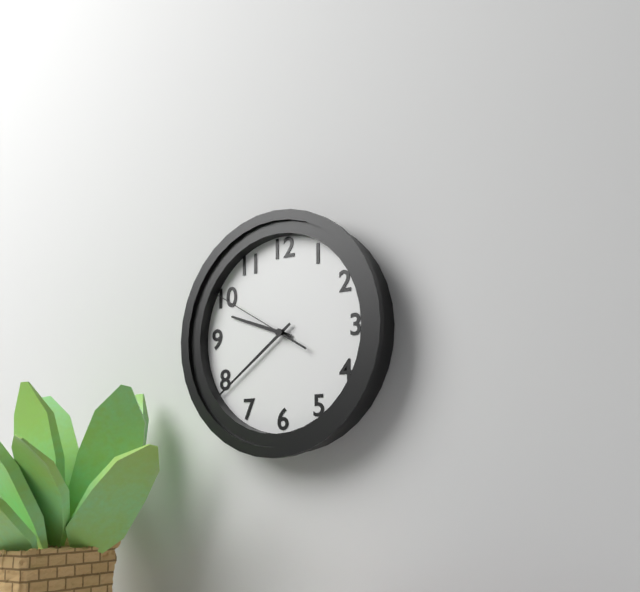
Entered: 9h39m50s
